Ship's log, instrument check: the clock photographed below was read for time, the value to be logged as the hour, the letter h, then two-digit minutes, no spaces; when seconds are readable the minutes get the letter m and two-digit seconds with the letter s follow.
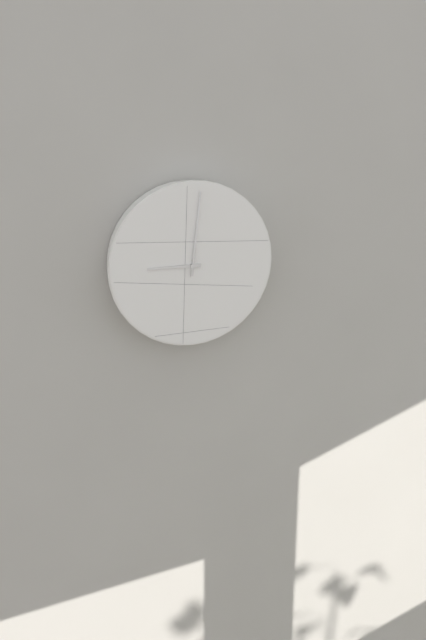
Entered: 9h01
